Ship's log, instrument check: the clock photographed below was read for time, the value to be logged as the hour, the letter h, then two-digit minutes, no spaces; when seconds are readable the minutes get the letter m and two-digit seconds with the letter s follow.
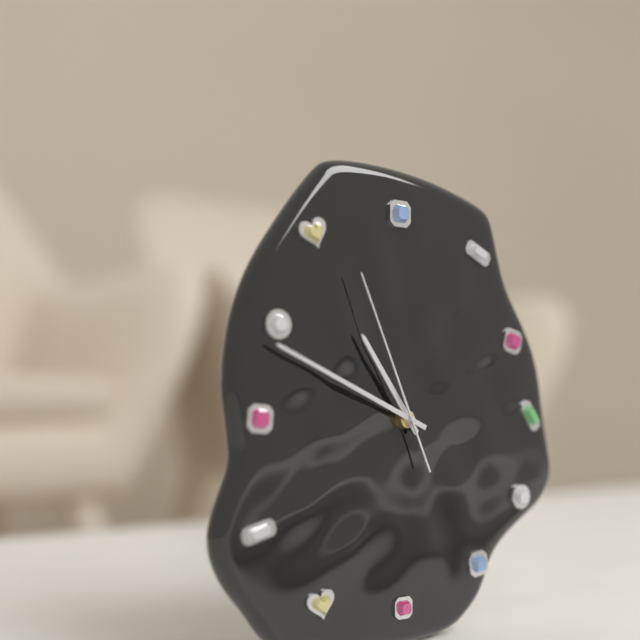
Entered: 10h49m56s
